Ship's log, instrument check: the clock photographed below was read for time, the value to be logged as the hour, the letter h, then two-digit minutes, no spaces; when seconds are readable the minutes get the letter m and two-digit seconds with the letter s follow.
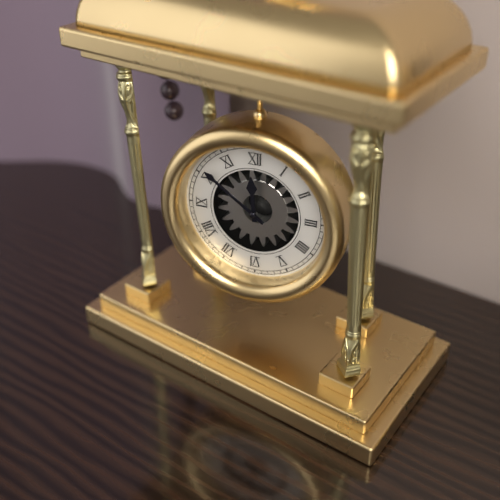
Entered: 11h51
